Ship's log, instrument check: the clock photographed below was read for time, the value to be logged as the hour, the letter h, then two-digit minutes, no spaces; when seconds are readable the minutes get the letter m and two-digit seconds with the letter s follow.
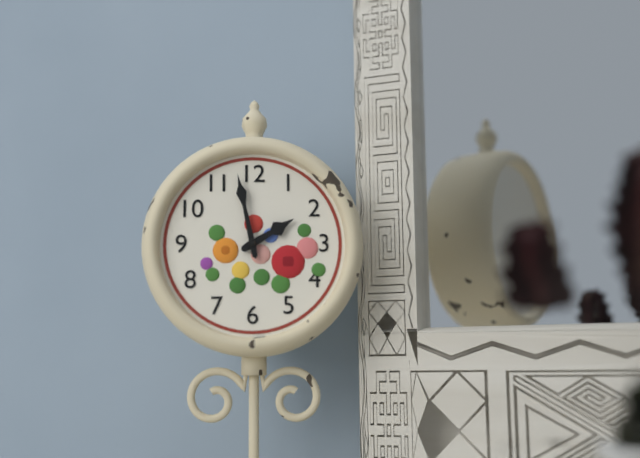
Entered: 1h58
